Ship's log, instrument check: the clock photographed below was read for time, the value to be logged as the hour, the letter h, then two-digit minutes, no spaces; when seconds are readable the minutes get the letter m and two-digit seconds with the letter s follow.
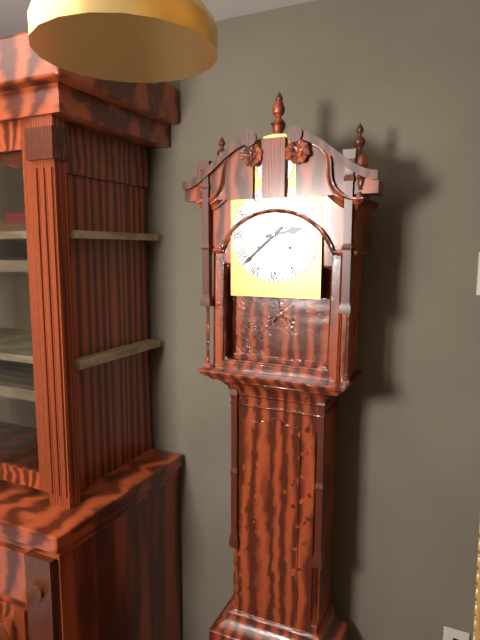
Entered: 2h38
